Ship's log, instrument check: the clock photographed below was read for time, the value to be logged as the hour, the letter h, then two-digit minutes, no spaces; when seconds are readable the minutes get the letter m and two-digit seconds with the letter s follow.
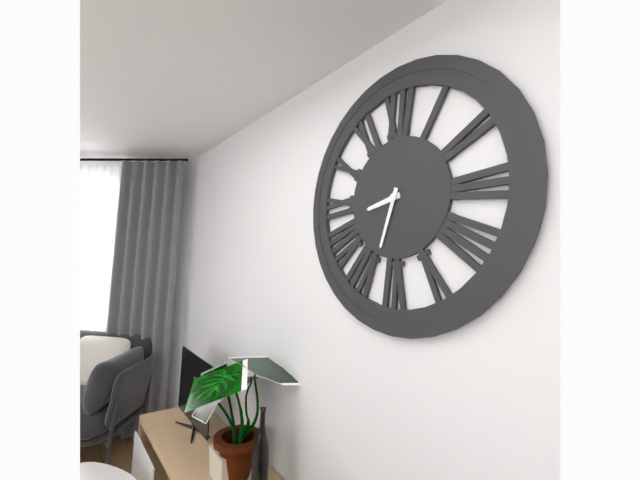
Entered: 8h33
